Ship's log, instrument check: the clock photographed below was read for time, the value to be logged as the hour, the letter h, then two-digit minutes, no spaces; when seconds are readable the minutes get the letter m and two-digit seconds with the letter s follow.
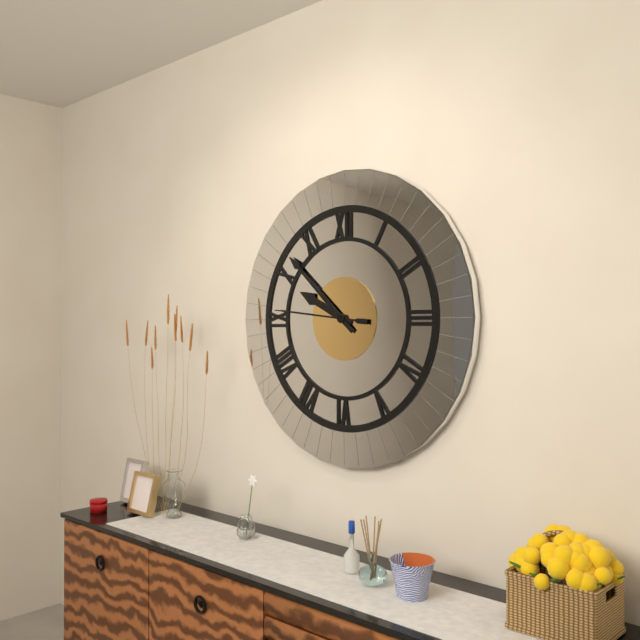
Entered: 9h52m46s
